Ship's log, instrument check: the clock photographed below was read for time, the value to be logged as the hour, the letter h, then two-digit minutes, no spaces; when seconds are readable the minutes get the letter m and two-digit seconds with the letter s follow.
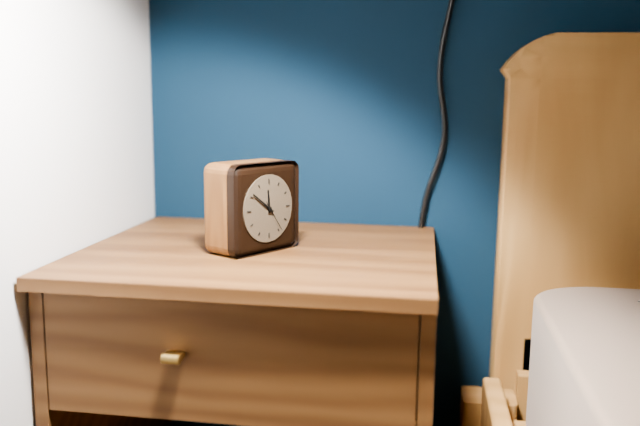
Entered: 11h51
